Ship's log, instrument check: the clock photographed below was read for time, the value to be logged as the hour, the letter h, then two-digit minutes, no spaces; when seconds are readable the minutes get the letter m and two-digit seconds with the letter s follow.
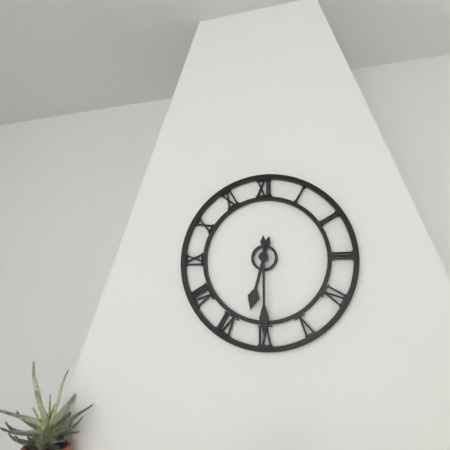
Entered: 6h30
